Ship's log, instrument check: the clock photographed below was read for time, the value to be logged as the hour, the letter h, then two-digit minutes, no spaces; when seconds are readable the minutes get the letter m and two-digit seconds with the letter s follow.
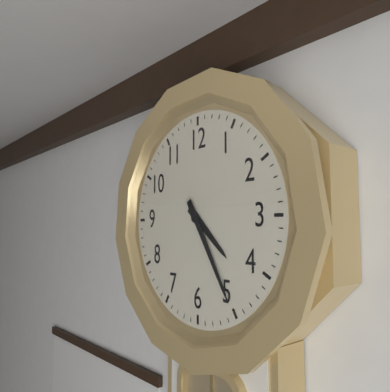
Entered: 4h25
